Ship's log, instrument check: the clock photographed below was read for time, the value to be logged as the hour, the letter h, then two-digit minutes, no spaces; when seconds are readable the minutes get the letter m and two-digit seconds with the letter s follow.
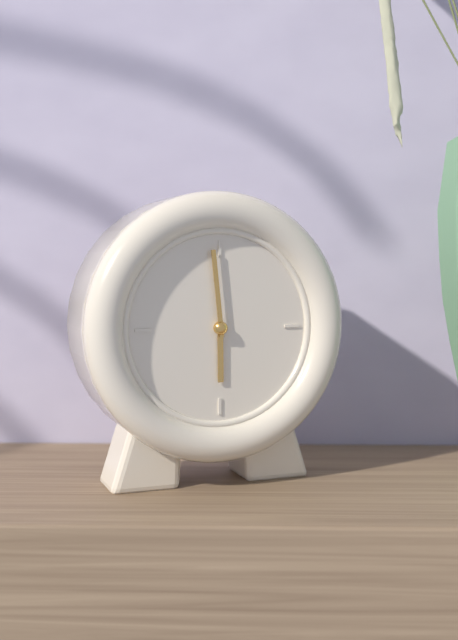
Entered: 5h59
